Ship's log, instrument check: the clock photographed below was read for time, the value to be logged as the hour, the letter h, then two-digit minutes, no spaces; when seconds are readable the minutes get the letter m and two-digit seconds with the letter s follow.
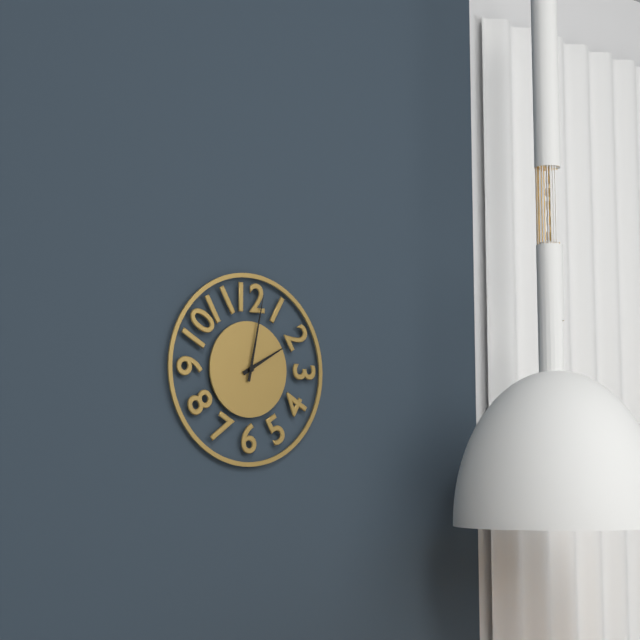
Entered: 2h02
